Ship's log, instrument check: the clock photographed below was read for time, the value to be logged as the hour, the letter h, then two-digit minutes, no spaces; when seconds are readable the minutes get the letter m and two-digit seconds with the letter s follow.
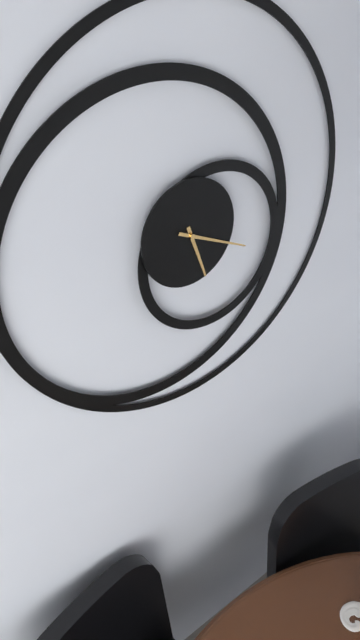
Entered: 5h19
